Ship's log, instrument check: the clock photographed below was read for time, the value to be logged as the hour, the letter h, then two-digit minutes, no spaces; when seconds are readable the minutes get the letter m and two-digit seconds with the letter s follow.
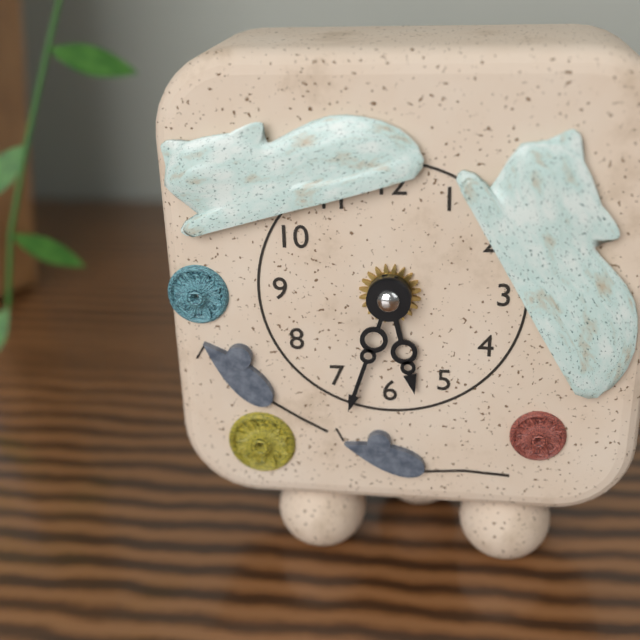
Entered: 5h33
